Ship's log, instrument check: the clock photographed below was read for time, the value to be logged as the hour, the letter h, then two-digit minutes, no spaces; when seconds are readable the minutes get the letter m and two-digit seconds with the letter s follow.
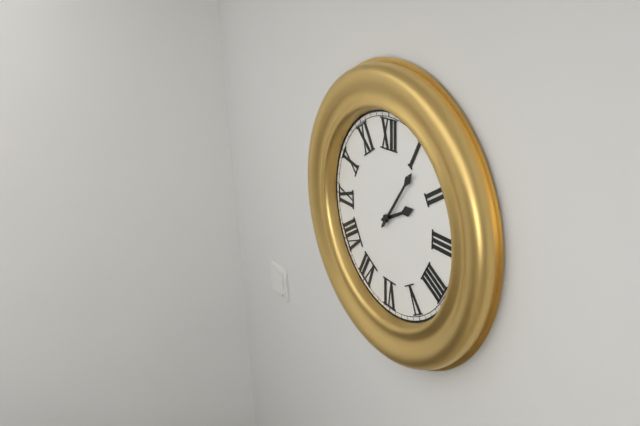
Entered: 2h06
